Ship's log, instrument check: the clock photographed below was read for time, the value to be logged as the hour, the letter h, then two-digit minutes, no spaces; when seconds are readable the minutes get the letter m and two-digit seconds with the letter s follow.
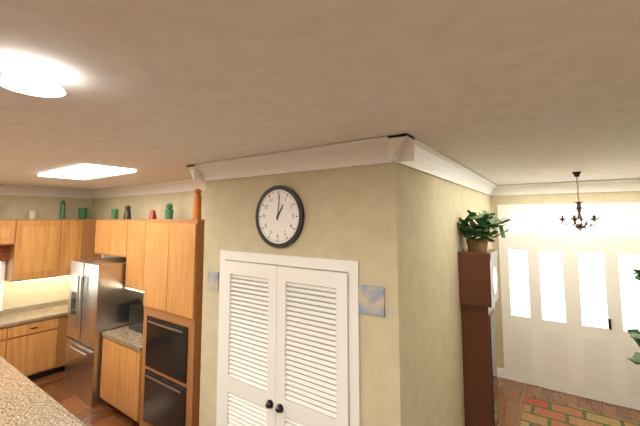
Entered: 1h01
